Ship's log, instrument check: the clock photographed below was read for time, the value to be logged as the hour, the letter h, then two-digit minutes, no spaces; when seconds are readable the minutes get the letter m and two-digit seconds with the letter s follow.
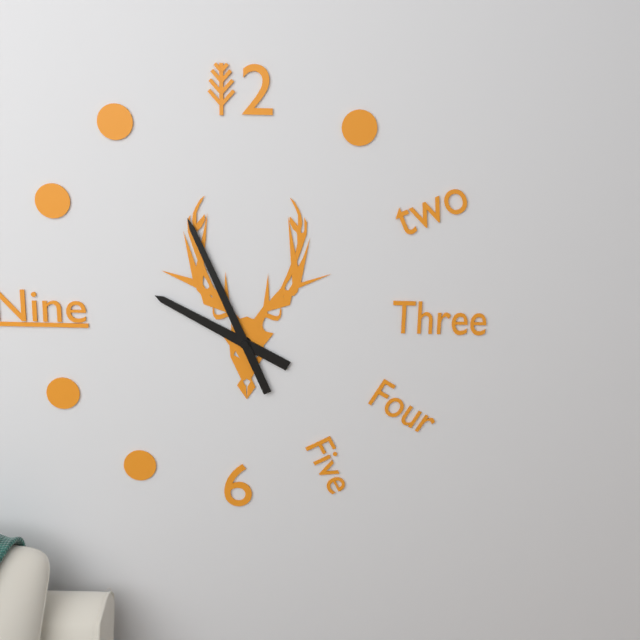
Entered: 9h56
